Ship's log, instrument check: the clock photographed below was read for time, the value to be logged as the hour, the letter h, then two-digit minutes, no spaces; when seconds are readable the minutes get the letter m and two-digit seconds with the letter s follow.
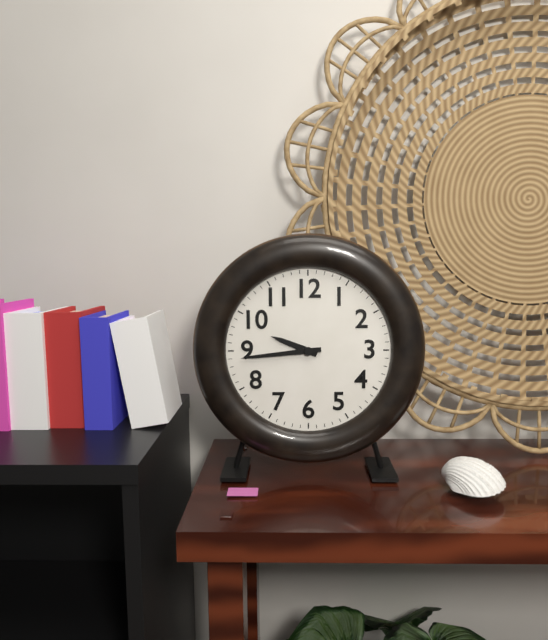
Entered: 9h44
